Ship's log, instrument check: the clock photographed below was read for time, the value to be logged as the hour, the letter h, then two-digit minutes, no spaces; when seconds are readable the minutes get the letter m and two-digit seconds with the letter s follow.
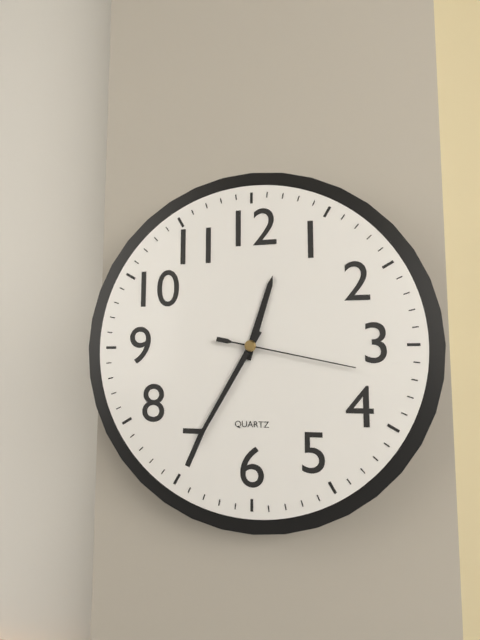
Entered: 12h35m17s
